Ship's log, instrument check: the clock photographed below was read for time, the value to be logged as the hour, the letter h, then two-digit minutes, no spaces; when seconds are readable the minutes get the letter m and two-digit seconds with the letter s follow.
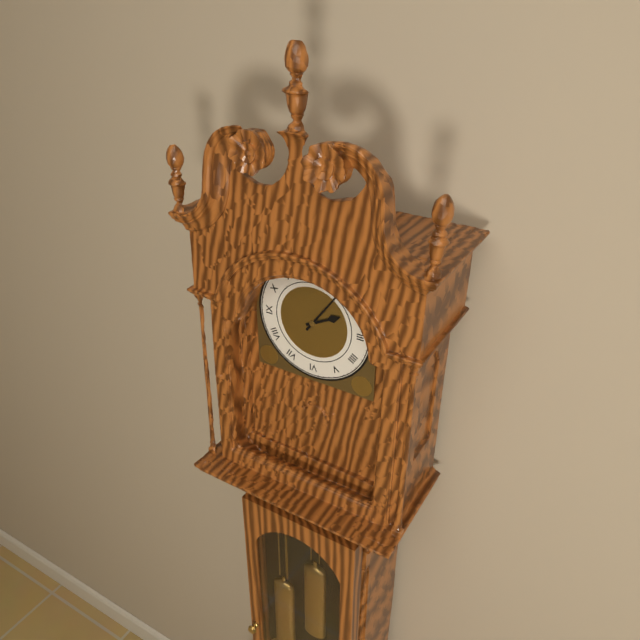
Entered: 2h06
